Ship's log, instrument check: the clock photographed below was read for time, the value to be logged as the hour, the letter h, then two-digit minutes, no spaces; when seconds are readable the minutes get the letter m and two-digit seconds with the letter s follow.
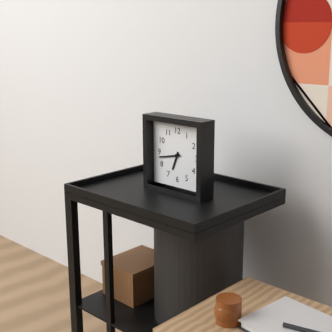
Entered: 6h43
